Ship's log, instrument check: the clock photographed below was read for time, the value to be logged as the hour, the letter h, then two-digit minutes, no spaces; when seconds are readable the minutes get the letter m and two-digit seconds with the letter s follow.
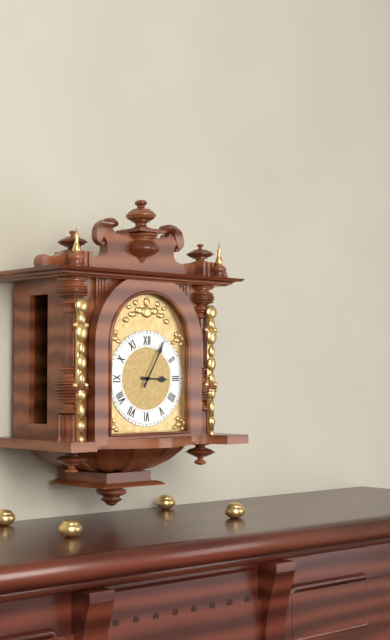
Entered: 3h05
